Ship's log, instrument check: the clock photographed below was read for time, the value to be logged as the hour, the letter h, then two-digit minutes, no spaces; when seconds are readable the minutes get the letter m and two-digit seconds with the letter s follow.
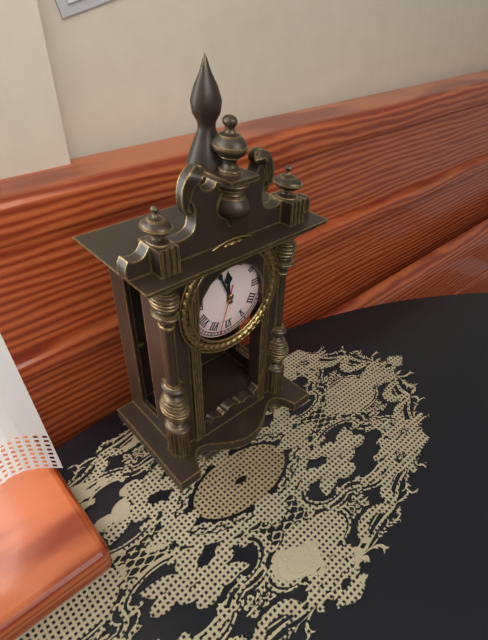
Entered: 11h56m33s
